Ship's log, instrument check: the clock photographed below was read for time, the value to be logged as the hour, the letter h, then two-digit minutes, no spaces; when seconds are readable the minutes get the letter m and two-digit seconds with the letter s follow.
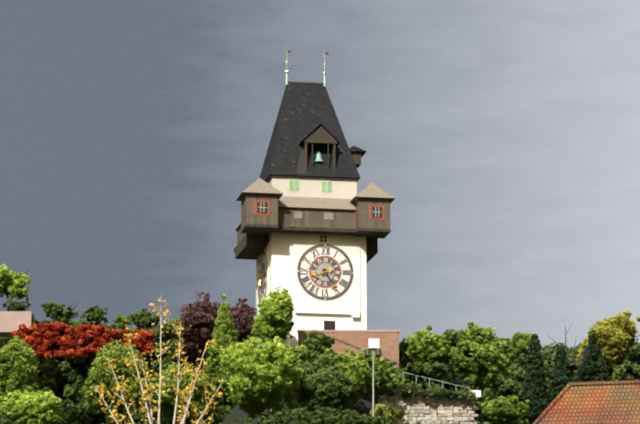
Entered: 8h25
